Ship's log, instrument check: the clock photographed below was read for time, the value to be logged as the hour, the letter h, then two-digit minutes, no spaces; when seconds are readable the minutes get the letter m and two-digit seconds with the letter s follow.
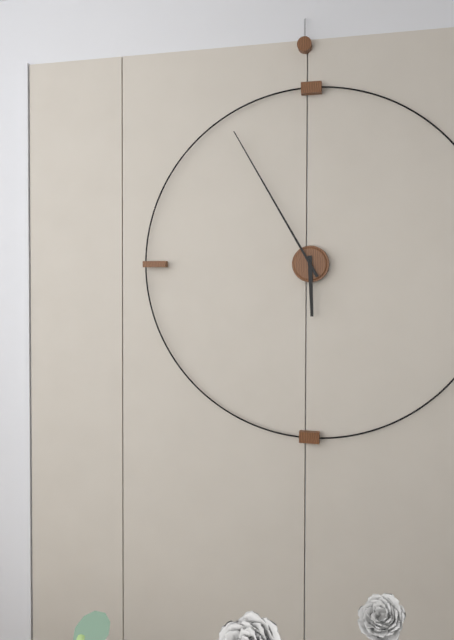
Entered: 5h55
